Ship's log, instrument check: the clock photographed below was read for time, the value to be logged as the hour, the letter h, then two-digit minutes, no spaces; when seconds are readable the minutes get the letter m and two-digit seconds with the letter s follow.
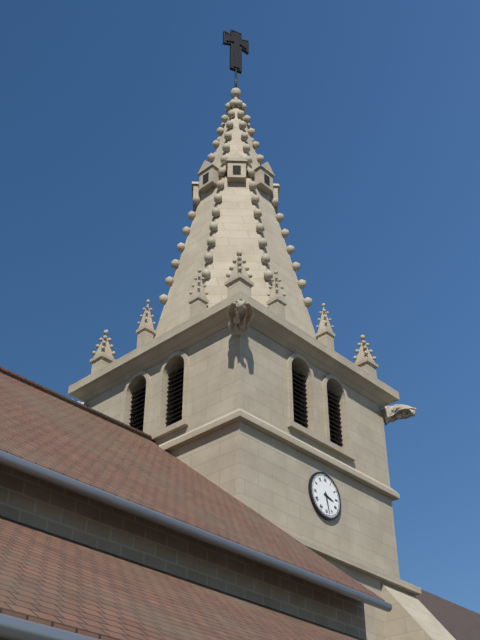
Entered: 3h28
